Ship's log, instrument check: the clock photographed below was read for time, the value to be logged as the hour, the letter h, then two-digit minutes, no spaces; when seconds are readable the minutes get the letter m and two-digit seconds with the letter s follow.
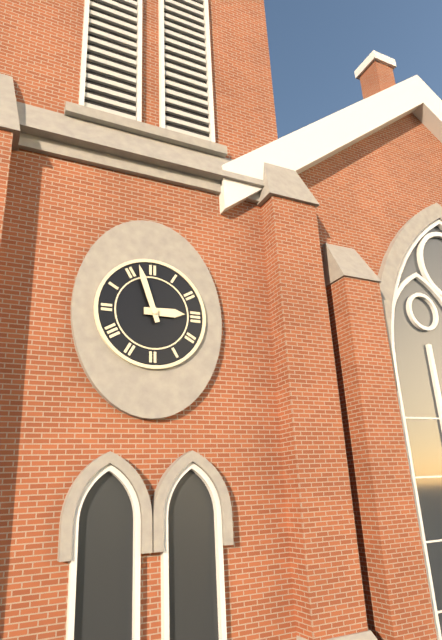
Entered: 2h57
